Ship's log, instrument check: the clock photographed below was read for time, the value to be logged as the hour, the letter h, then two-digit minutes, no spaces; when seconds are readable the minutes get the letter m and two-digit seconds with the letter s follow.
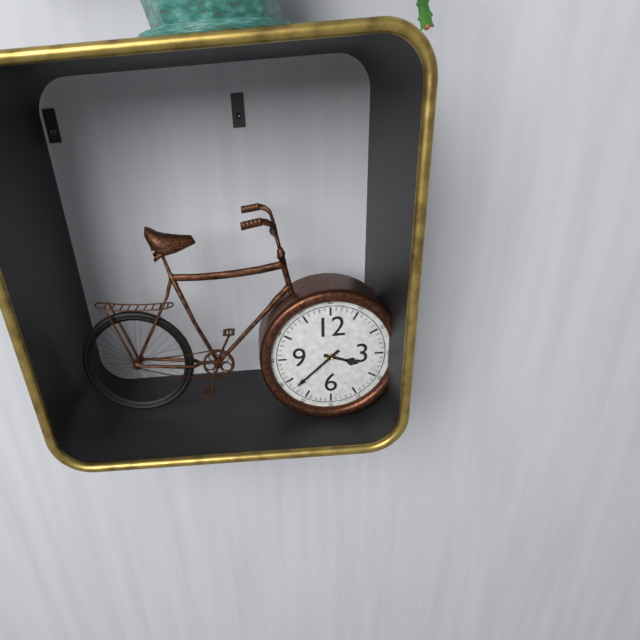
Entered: 3h38
